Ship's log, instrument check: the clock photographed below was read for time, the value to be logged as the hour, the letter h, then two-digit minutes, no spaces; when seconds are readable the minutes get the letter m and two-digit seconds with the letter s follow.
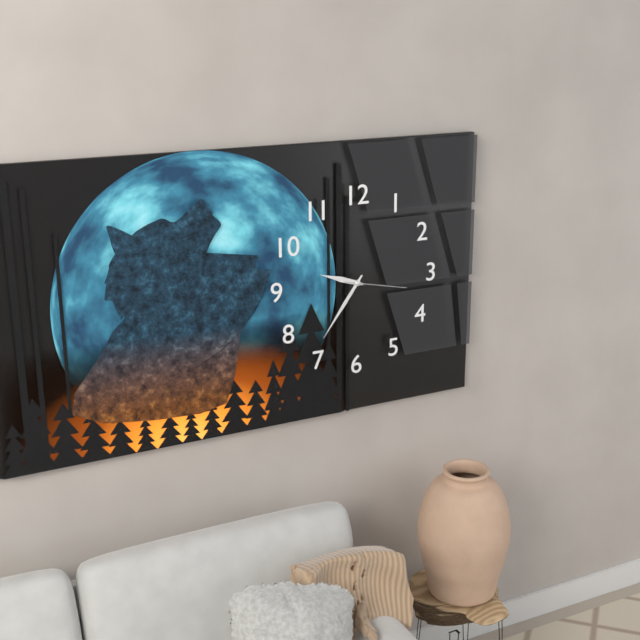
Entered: 9h36m17s
